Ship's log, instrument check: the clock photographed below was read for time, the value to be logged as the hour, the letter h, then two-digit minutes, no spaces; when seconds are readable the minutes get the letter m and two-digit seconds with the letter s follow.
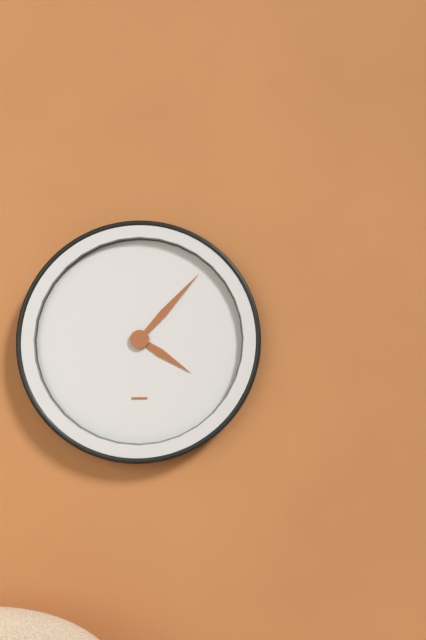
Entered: 4h07
